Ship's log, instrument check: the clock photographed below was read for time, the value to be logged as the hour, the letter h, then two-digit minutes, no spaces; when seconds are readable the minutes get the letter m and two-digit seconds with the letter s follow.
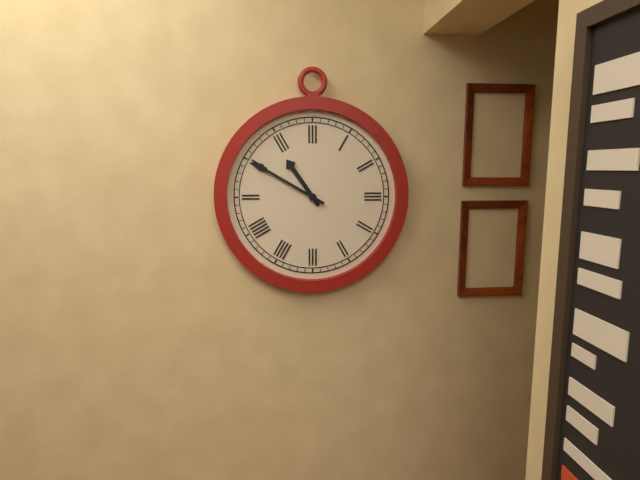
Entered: 10h50
